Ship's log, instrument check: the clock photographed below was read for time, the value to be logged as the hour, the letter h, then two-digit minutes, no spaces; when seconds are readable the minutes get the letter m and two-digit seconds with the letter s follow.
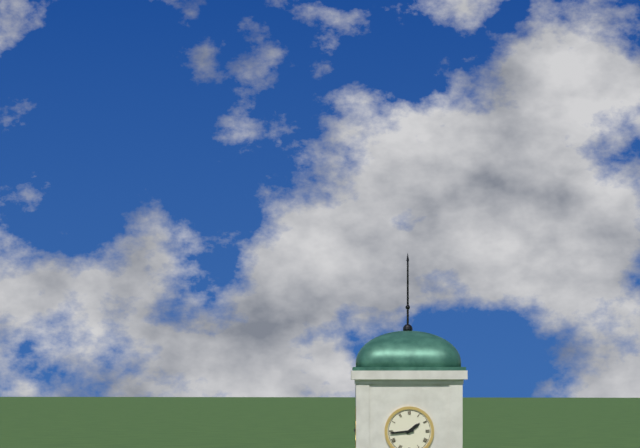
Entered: 1h44
